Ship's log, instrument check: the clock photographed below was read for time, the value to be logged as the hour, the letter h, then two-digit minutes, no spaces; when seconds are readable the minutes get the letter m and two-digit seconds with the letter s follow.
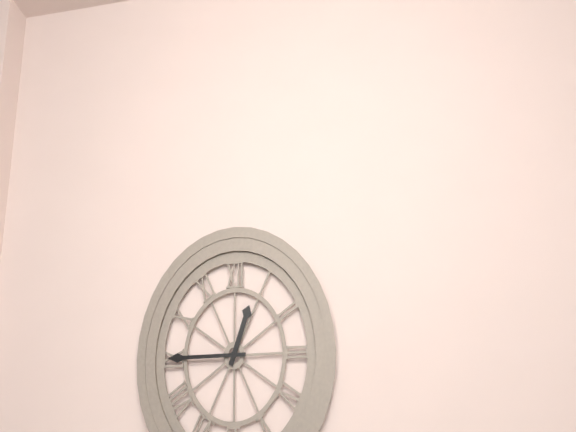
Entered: 12h45
